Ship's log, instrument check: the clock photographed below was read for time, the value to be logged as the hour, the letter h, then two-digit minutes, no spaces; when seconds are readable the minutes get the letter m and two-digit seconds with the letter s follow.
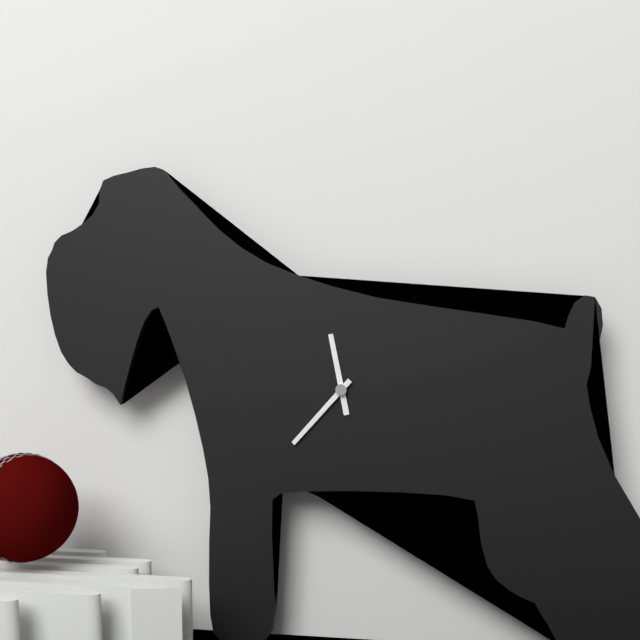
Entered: 11h37
